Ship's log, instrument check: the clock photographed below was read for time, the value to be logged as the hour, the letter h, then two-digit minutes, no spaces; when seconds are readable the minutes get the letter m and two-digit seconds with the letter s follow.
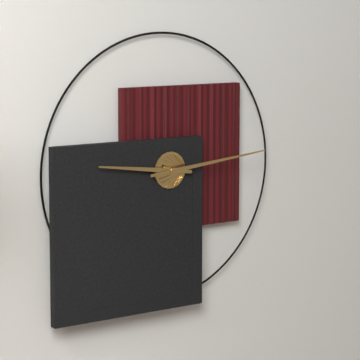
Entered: 9h14
